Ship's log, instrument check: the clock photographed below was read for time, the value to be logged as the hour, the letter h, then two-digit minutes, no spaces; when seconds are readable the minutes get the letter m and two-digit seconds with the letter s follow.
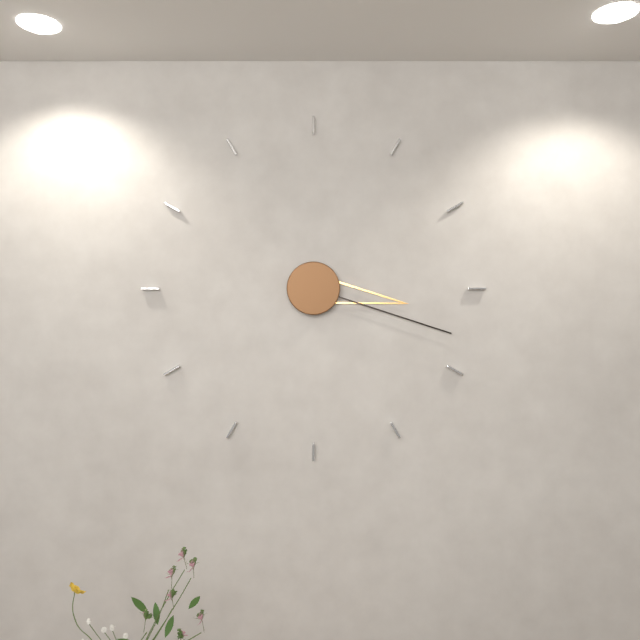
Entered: 3h18
